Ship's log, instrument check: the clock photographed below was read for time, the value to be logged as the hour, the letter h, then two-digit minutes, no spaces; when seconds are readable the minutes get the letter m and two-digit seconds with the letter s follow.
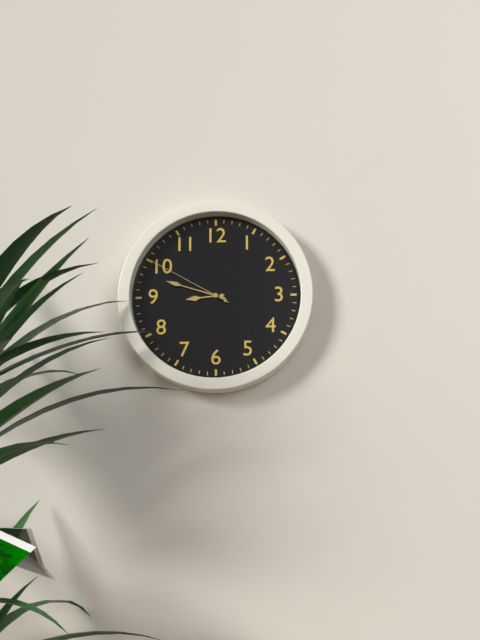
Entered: 8h48m50s
